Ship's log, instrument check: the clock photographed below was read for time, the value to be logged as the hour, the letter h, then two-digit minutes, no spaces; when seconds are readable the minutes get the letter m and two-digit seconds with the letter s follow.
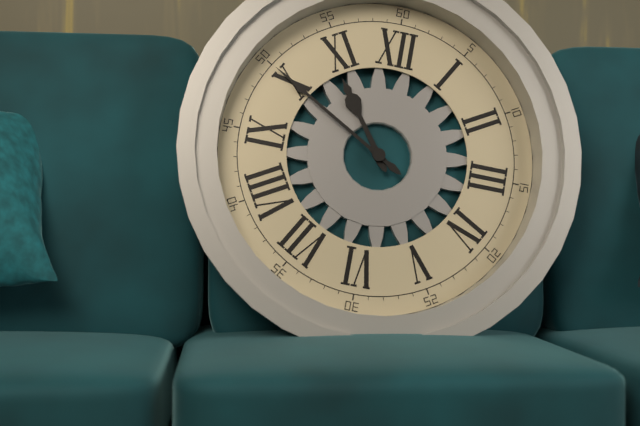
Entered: 10h50
